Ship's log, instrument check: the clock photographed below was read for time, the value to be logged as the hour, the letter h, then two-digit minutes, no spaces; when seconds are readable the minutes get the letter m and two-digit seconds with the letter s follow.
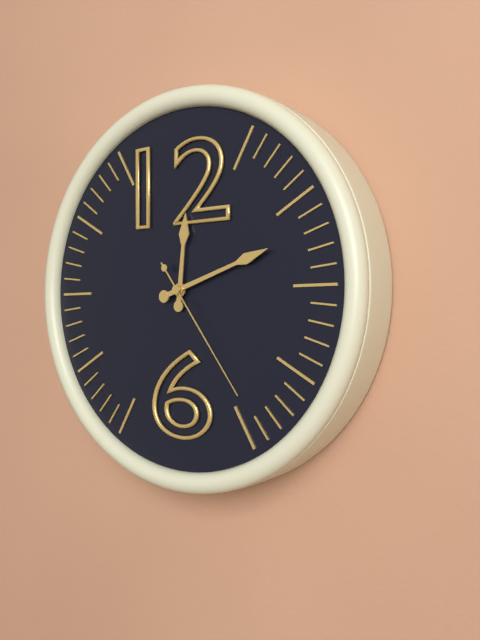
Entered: 12h12m24s
